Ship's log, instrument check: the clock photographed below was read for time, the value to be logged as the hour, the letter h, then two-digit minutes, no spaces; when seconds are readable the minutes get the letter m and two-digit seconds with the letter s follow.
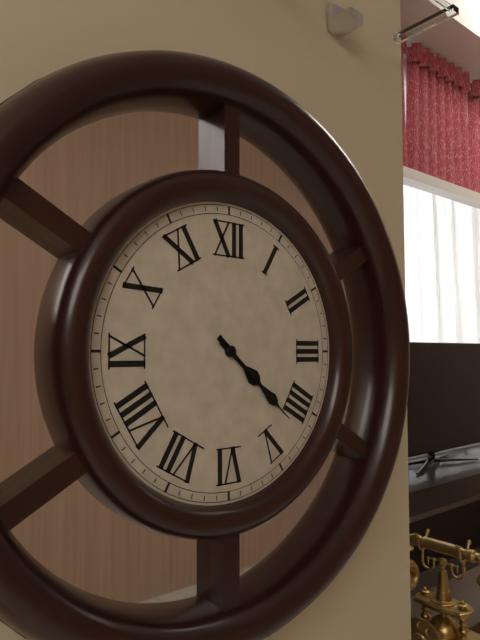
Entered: 4h22
